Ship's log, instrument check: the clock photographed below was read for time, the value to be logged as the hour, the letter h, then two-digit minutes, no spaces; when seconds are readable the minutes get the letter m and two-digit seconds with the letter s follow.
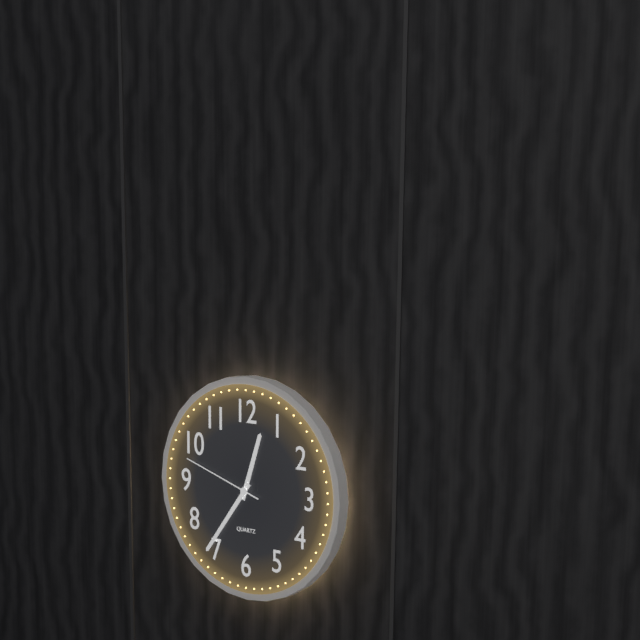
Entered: 12h36m48s
